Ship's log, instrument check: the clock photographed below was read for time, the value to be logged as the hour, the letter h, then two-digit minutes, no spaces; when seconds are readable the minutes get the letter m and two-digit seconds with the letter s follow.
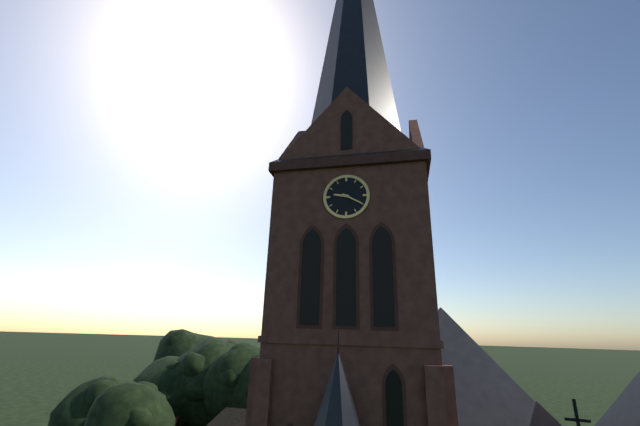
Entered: 9h20
